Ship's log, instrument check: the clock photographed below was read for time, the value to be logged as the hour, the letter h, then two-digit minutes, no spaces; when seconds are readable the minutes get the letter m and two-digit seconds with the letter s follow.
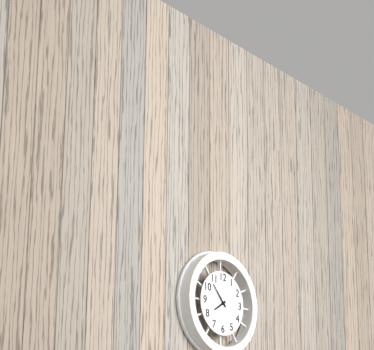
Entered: 7h53
